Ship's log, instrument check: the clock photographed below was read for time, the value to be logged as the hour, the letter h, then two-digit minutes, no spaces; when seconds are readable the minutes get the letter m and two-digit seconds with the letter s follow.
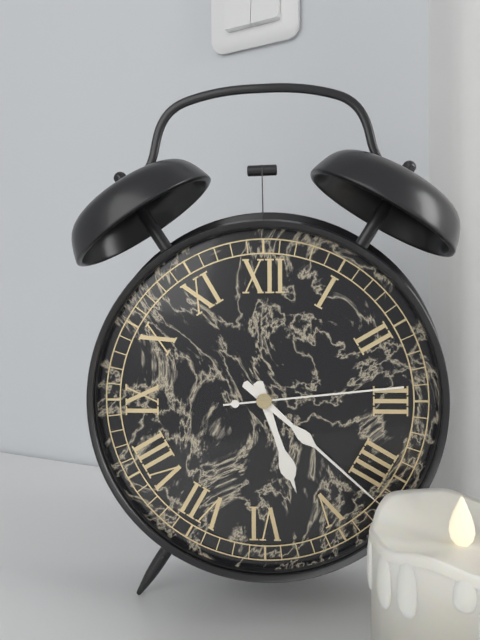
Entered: 5h22m14s
